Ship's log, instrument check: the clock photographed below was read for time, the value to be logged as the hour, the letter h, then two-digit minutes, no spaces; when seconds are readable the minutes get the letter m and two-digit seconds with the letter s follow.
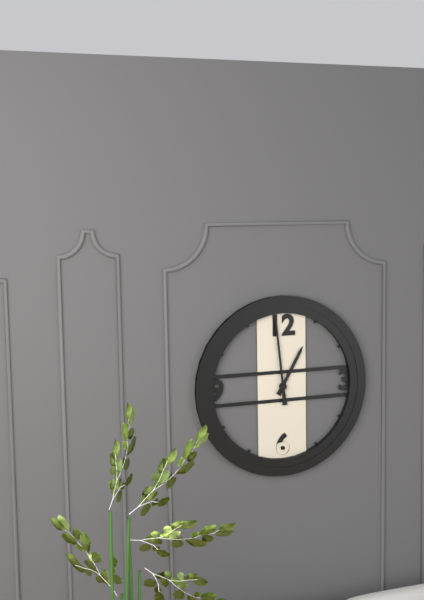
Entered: 12h59
